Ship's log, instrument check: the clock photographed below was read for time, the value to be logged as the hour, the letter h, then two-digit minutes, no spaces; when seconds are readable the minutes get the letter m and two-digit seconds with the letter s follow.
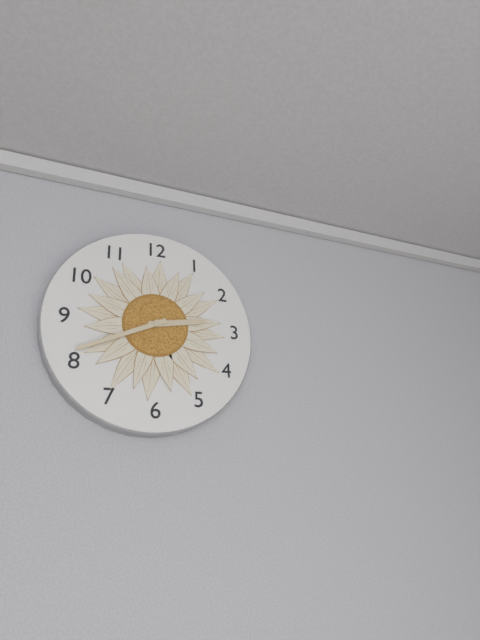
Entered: 2h41
